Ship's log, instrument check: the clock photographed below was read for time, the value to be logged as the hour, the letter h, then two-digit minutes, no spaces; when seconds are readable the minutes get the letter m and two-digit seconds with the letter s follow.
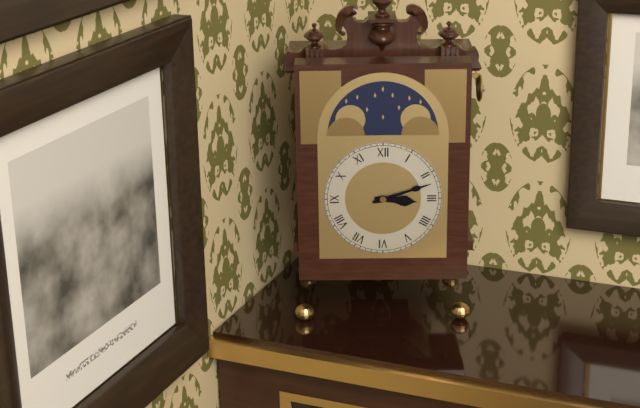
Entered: 3h12
